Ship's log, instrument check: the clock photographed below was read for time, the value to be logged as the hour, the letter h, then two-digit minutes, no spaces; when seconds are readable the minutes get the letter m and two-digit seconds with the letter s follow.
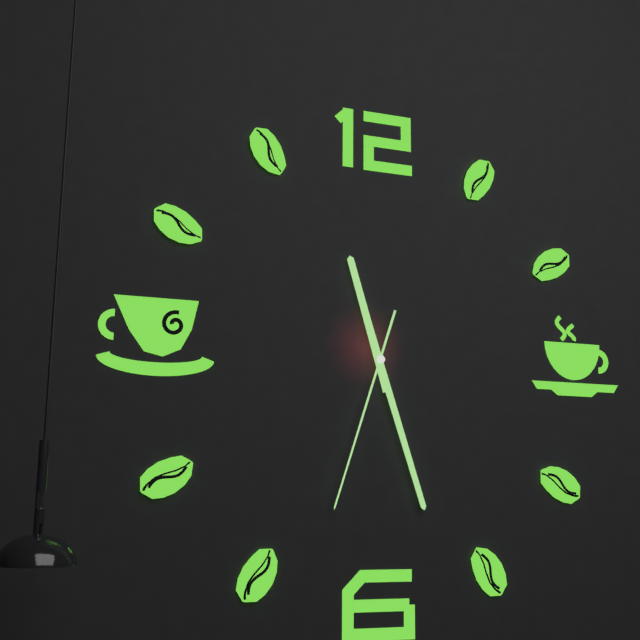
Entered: 11h27m33s
